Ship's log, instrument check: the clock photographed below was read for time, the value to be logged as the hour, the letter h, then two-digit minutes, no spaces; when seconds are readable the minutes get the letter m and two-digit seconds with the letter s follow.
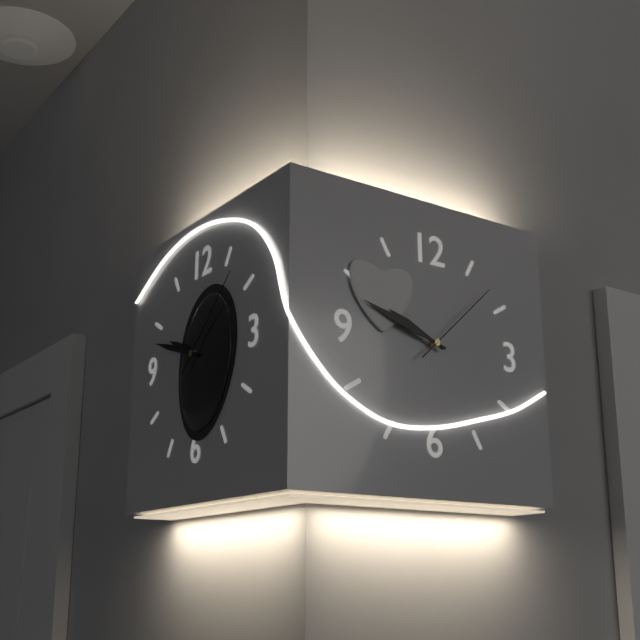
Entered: 9h48m08s
